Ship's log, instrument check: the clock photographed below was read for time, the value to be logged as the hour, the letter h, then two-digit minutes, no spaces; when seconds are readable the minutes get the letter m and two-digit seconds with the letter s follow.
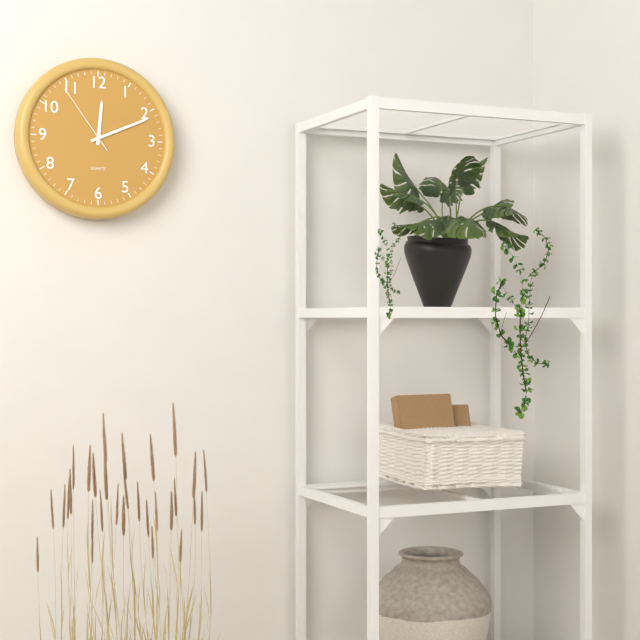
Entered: 12h11m54s
